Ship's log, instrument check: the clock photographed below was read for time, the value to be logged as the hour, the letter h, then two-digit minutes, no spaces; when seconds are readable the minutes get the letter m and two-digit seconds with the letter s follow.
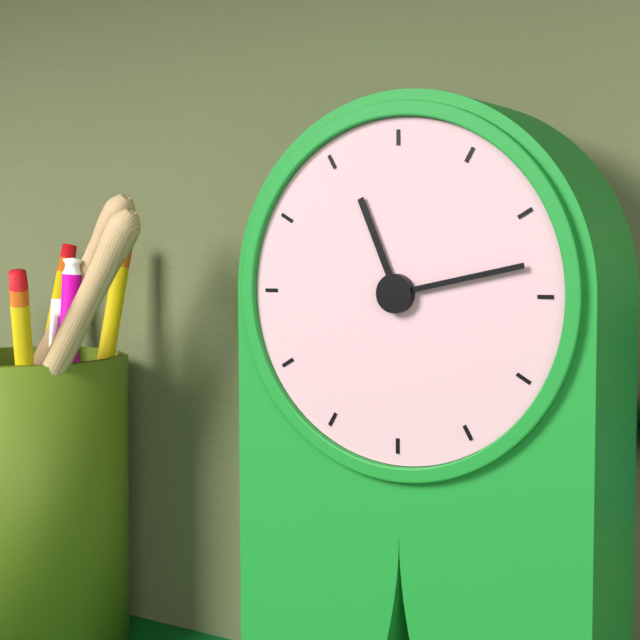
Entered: 11h13
